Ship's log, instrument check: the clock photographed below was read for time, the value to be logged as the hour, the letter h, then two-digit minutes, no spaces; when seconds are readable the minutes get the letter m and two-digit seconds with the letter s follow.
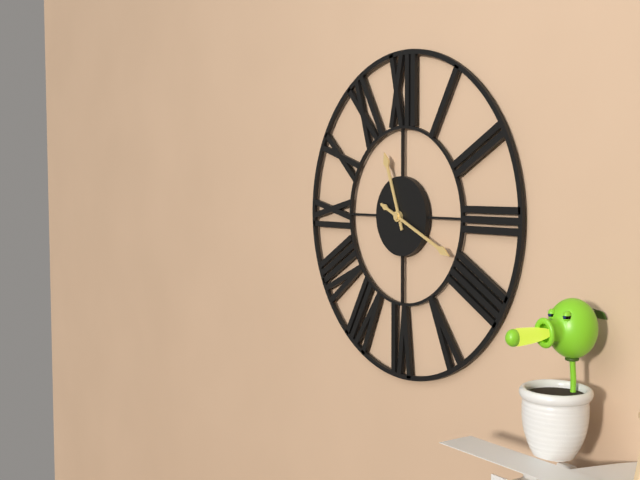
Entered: 11h19
